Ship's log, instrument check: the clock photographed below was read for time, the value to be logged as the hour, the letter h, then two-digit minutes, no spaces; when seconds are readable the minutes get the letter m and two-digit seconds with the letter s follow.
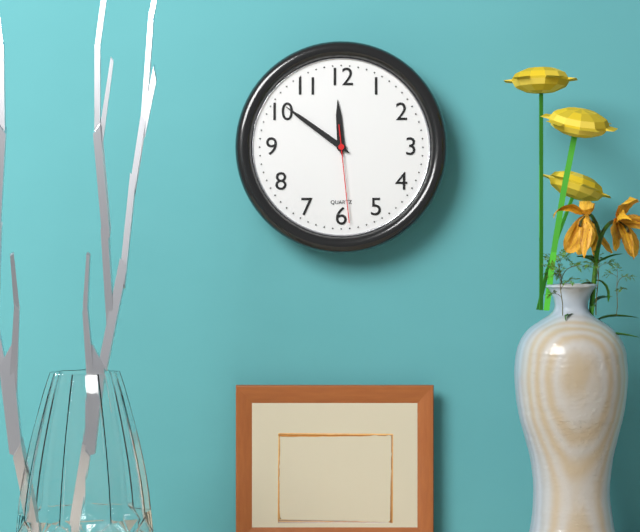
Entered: 11h51m29s
